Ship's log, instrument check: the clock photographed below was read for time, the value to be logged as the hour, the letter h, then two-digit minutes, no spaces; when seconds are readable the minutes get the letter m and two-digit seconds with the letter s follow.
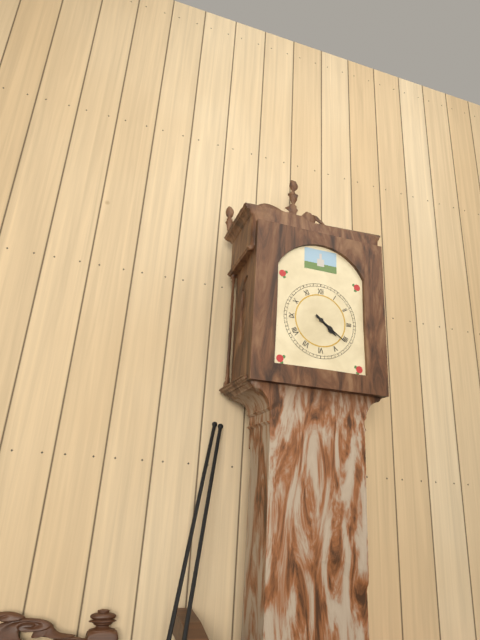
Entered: 4h21
